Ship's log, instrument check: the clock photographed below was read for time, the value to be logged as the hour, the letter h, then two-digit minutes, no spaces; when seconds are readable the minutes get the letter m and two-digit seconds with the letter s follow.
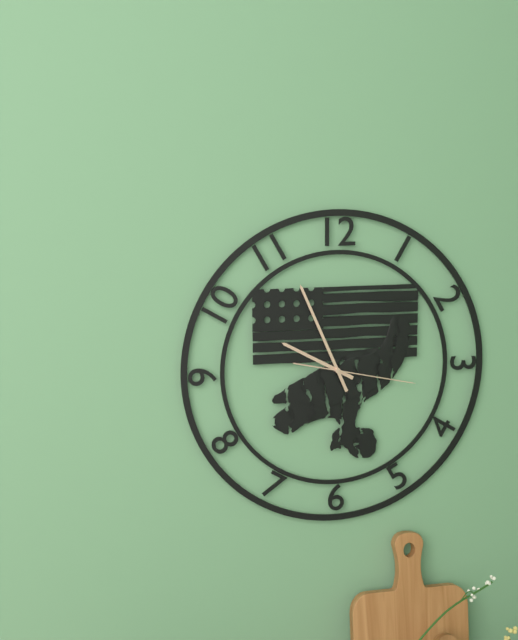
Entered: 9h56m17s
